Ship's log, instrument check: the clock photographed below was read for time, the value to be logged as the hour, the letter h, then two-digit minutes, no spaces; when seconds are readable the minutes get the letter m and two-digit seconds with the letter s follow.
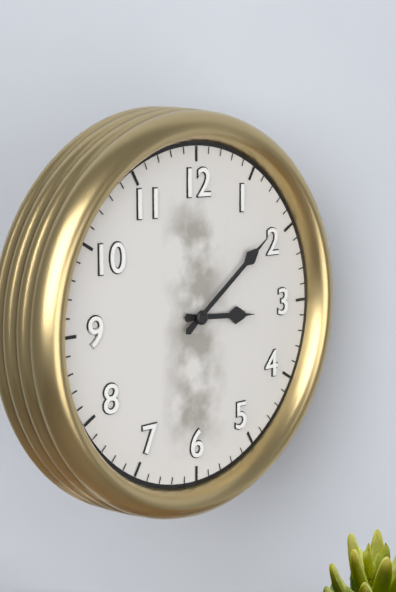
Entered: 3h09
